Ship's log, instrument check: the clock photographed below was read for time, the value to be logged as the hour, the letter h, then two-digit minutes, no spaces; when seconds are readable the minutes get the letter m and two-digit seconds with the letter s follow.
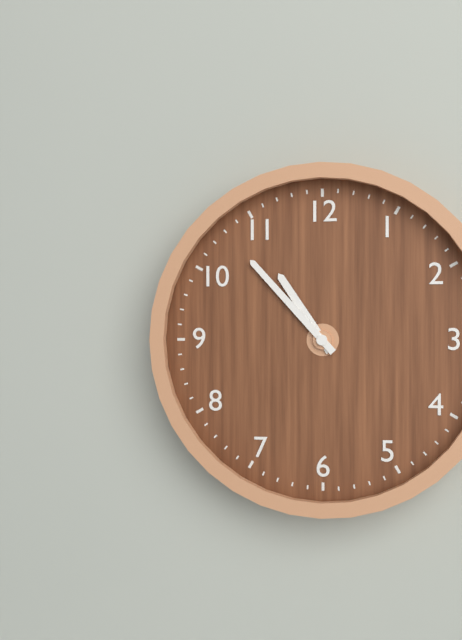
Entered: 10h53
